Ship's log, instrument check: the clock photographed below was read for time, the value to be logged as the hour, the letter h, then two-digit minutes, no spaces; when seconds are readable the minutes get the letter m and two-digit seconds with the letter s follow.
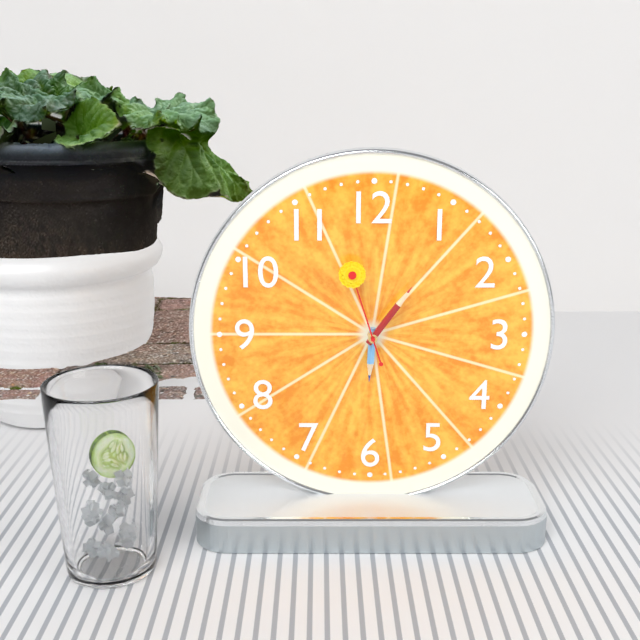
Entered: 6h06m57s
